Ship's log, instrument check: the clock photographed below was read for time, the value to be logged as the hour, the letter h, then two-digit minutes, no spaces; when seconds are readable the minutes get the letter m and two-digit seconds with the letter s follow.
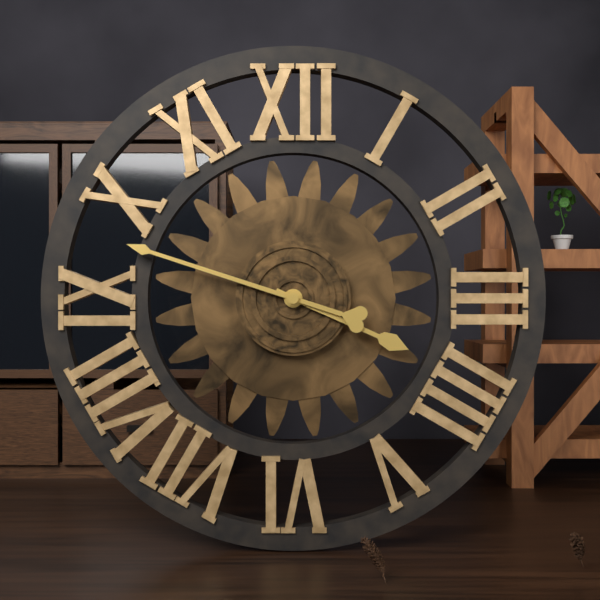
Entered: 3h48
